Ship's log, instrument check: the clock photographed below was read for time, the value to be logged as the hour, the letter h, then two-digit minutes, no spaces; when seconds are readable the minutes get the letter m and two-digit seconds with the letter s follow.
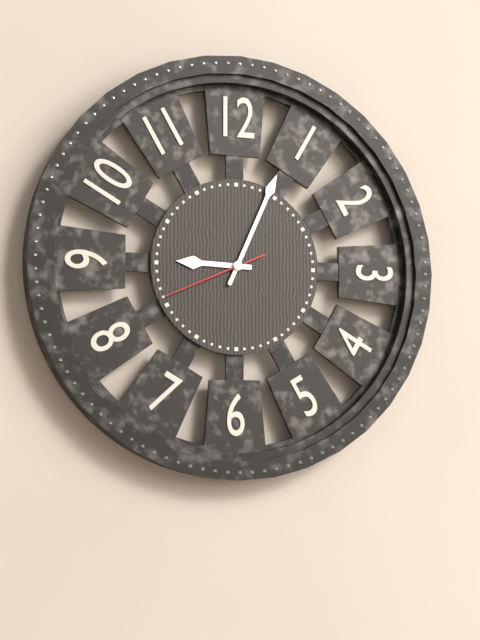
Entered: 9h04m41s
